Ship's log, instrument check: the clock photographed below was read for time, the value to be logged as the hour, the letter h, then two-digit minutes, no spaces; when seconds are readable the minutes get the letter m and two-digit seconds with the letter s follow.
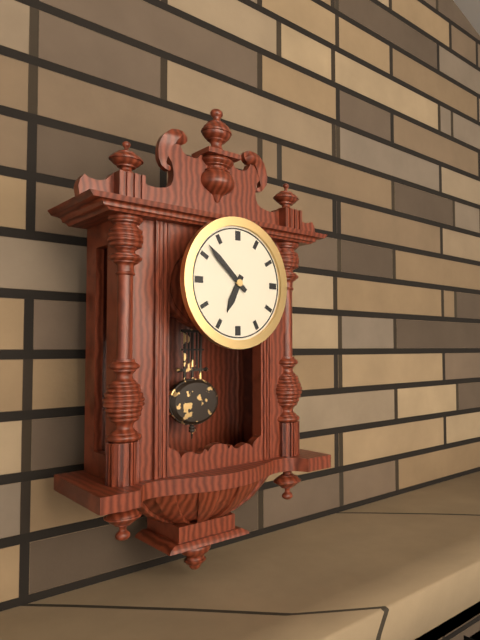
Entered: 6h52
